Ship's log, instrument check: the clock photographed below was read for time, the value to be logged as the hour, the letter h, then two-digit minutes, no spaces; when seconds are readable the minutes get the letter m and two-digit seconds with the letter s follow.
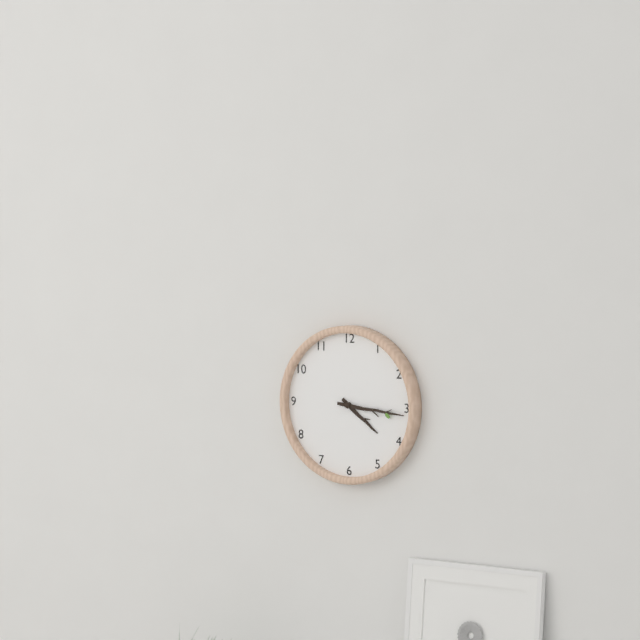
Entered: 4h16
